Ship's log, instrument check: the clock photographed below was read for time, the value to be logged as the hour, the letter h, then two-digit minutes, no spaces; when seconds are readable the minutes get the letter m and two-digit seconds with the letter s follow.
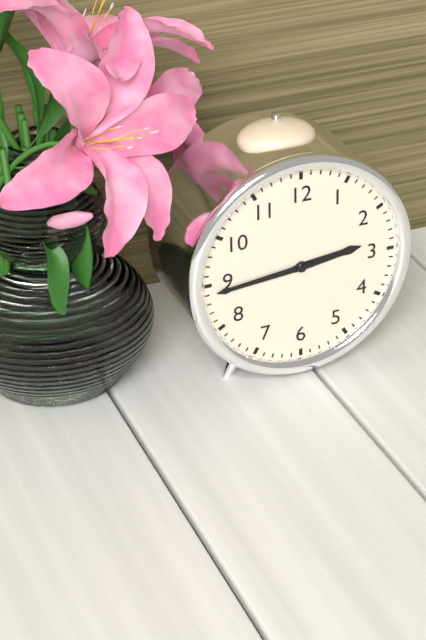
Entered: 2h44
